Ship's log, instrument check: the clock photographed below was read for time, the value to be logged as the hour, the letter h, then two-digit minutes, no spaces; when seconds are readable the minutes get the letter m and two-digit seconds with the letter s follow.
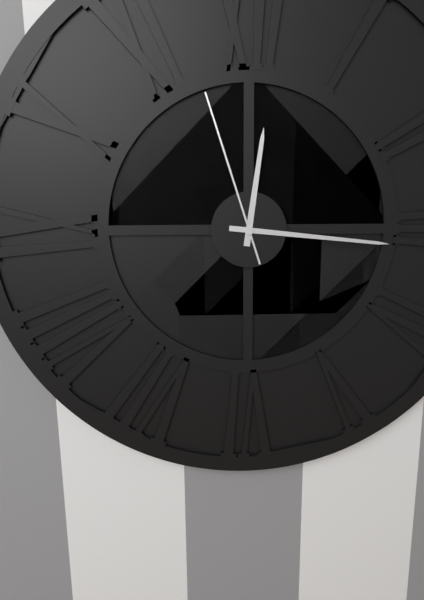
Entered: 12h16m57s
